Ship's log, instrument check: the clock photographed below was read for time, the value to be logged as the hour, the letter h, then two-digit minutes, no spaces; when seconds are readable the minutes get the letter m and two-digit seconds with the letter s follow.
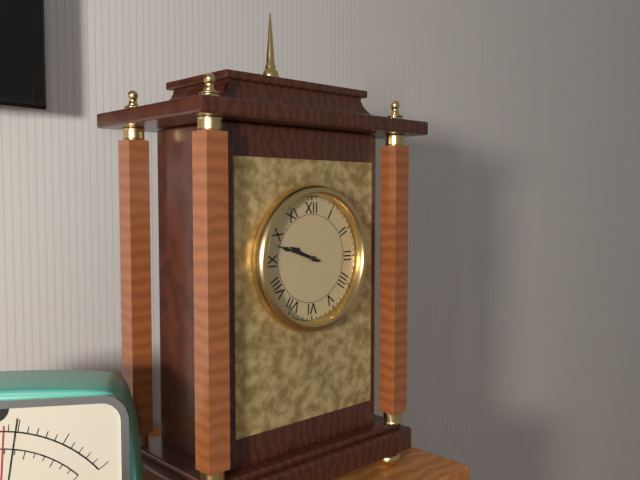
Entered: 9h48
